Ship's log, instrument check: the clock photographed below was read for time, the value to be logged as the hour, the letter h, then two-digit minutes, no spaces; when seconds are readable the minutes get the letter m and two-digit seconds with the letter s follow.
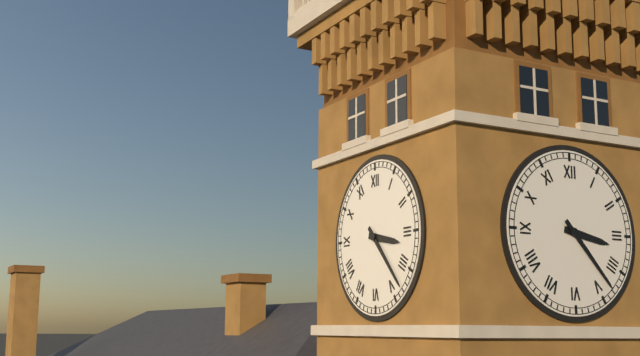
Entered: 3h23
